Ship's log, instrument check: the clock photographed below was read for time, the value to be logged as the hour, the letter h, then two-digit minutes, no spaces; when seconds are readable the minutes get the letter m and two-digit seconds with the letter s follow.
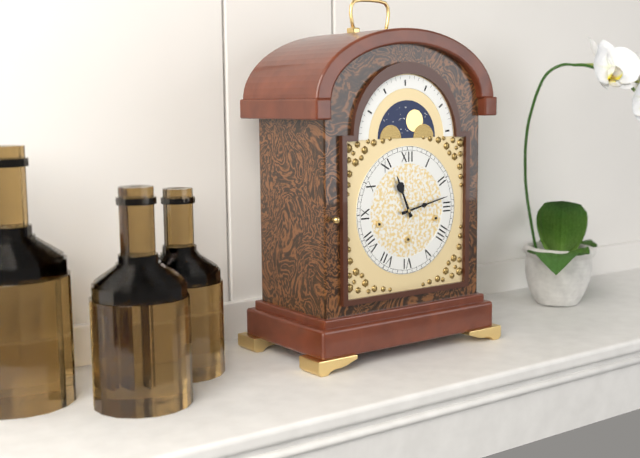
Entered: 11h13
